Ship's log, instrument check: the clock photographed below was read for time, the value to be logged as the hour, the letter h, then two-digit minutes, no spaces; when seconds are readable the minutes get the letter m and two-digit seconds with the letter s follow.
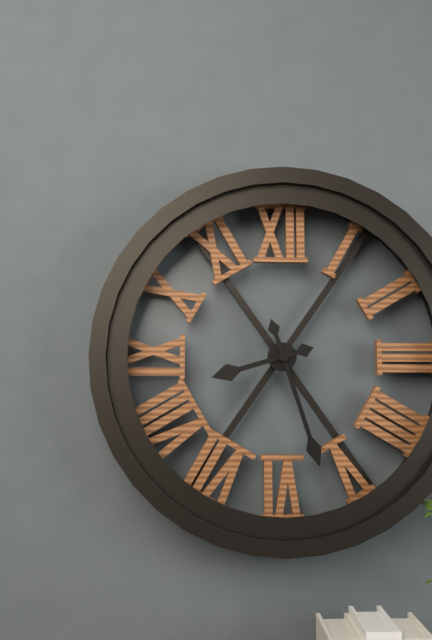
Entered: 8h27
